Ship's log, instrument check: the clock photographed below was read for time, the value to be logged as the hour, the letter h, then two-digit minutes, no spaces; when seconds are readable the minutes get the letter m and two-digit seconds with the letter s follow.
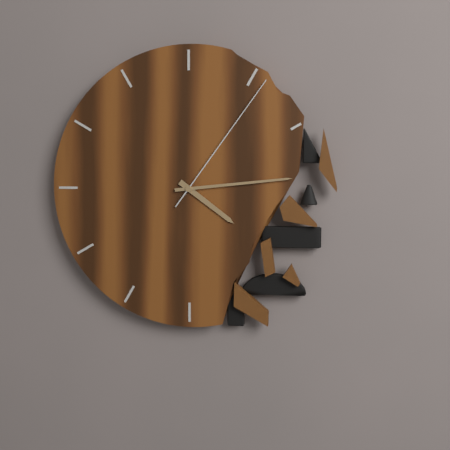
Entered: 4h14m06s
